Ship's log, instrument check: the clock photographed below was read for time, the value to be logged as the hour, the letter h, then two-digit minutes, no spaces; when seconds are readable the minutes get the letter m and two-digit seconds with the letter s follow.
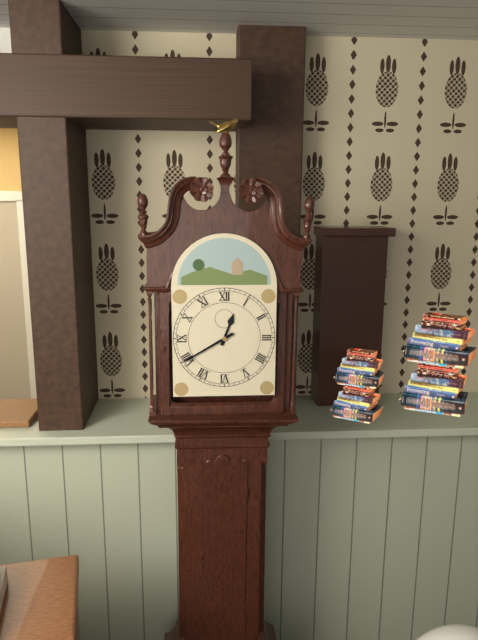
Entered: 12h40
